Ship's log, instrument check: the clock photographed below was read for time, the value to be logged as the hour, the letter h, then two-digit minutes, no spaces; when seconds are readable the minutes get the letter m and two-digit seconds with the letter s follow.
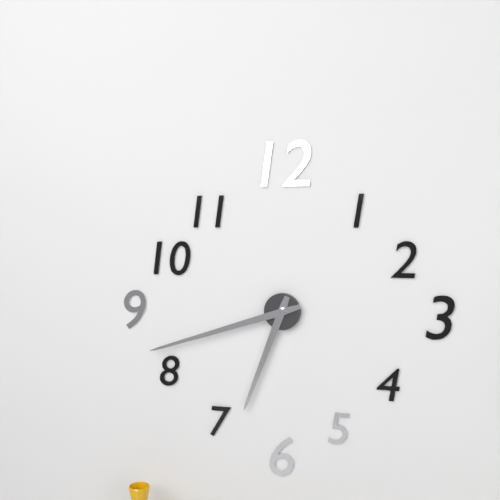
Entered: 6h42
